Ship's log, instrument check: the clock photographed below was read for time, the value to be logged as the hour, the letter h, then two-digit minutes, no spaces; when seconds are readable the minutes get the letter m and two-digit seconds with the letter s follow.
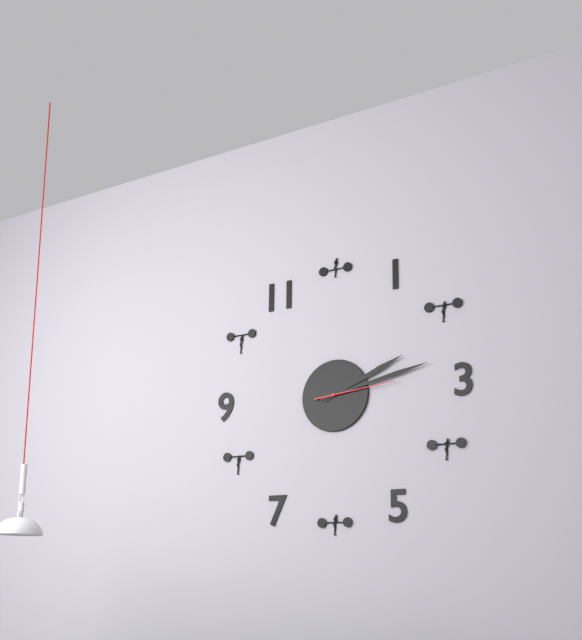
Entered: 2h13m14s
